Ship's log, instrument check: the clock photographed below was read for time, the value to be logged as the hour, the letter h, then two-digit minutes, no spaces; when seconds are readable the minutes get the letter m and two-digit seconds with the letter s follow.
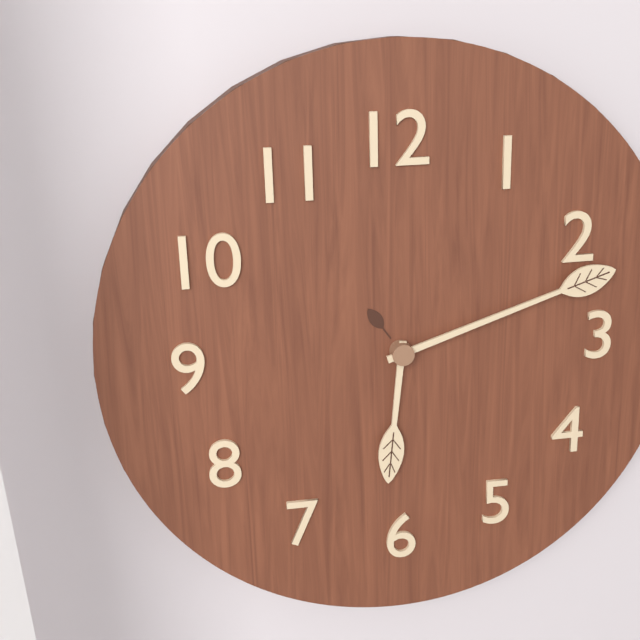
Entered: 6h12
